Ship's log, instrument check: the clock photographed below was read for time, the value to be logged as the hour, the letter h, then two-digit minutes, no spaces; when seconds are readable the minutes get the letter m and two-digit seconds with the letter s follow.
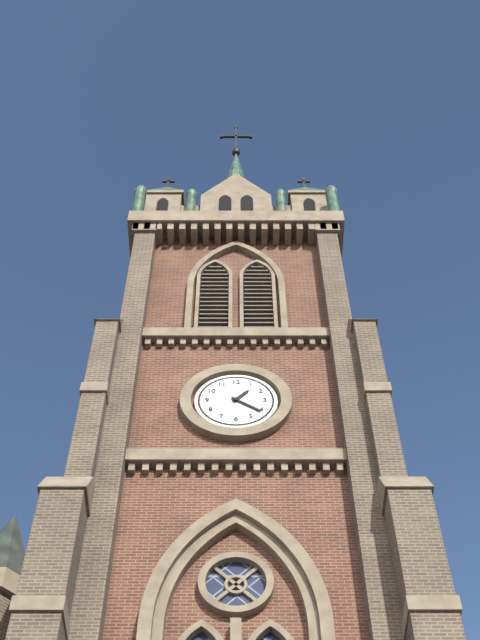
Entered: 1h21
